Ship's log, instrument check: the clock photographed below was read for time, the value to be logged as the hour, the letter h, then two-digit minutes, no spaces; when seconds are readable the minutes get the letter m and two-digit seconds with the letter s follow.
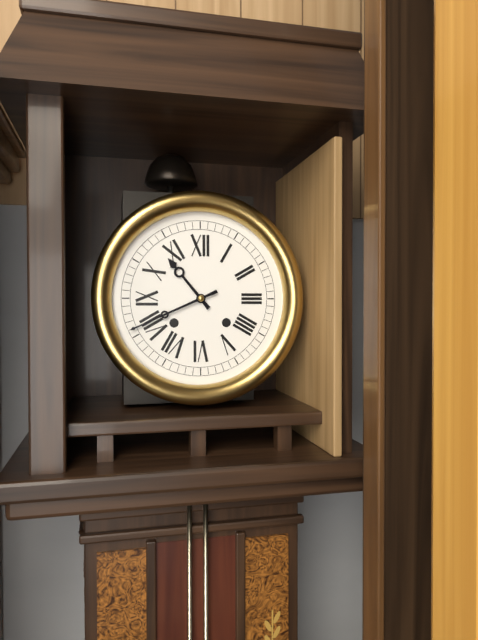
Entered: 10h41
